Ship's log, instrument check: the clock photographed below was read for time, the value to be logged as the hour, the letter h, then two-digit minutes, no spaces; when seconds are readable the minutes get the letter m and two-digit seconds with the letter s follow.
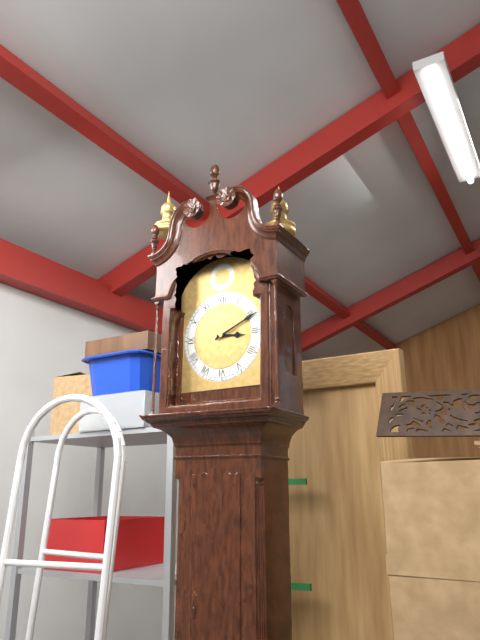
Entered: 3h11
